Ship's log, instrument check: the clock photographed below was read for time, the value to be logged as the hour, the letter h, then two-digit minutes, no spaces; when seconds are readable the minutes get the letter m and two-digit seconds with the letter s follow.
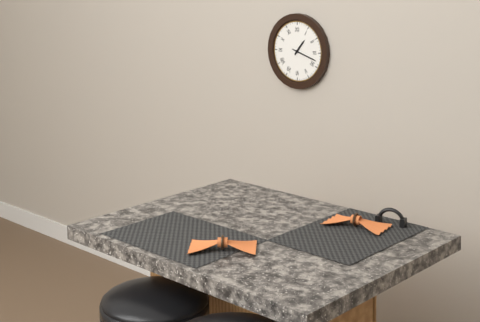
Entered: 1h18
